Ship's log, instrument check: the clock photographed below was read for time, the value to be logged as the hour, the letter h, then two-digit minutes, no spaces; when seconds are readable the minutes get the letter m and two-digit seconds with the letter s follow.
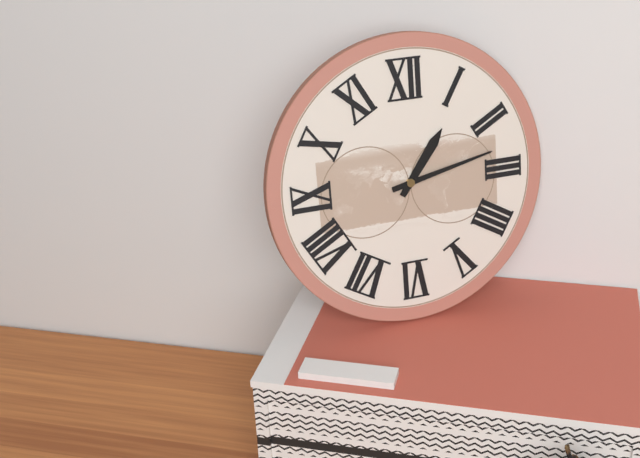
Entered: 1h13
